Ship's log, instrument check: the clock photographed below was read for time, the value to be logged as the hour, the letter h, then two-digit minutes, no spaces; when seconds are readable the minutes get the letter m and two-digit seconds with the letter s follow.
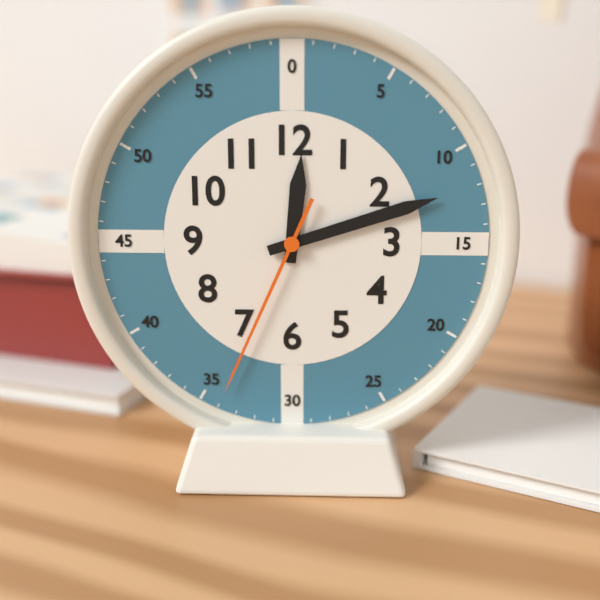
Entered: 12h12m34s
